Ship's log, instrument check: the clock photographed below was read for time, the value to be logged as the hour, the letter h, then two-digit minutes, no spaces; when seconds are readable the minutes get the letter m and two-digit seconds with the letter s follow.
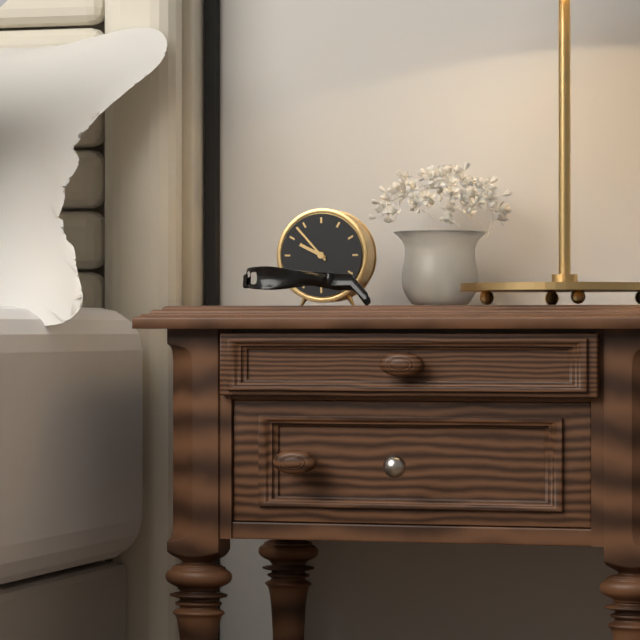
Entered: 9h53
